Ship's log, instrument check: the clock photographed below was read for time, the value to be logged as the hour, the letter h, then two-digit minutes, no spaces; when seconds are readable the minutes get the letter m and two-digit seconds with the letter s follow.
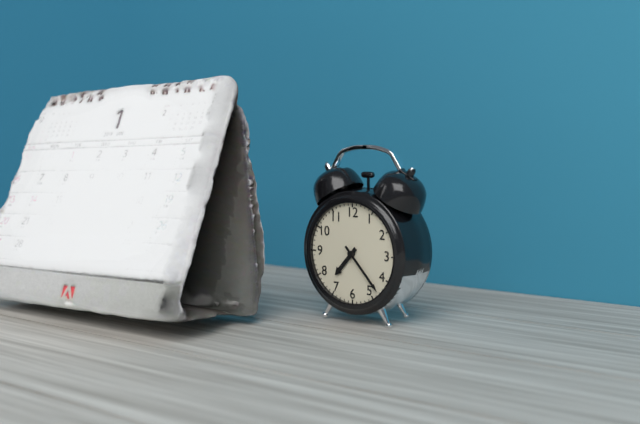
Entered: 7h23
